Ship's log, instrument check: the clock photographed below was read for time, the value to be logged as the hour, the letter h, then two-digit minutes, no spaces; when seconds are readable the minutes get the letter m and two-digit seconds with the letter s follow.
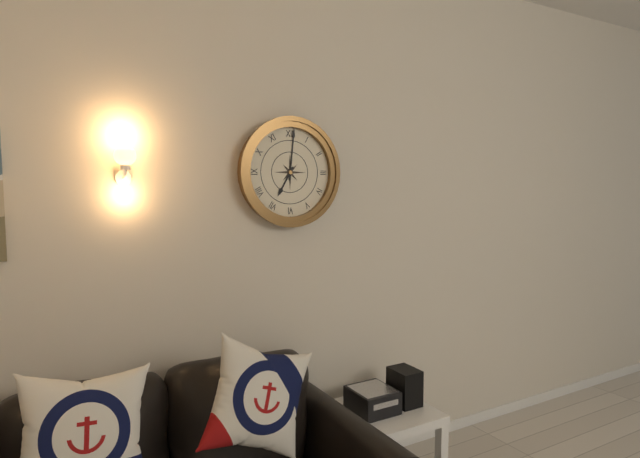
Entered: 7h01
